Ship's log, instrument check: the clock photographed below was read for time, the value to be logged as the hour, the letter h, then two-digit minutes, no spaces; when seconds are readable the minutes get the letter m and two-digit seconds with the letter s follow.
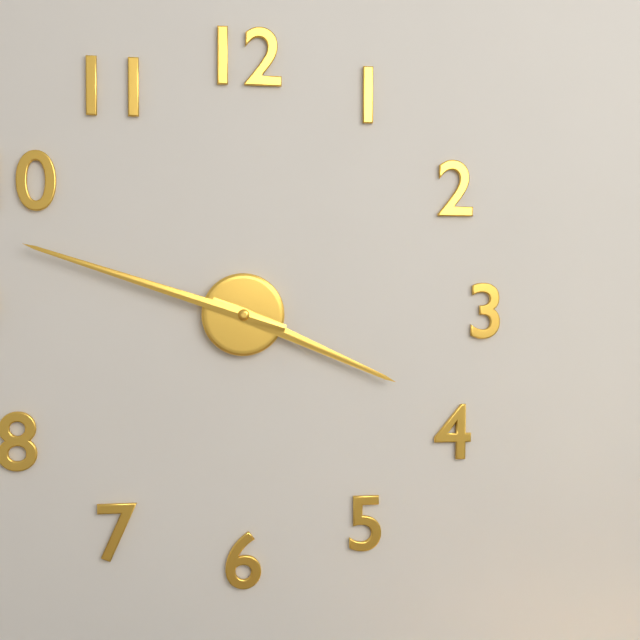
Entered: 3h48
